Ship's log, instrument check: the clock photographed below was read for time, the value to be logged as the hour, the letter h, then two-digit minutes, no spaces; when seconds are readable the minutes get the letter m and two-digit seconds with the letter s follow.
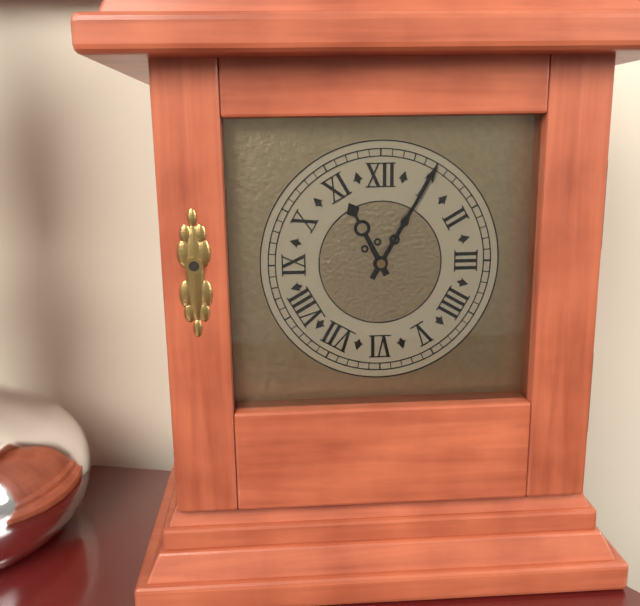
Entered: 11h05
